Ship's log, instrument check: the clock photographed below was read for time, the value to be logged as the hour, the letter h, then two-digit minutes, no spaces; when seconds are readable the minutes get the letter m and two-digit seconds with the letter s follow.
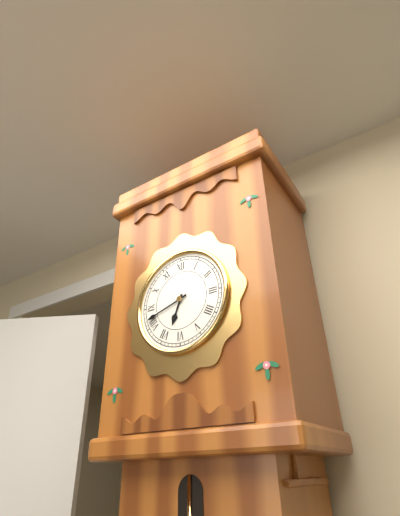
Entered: 6h42
